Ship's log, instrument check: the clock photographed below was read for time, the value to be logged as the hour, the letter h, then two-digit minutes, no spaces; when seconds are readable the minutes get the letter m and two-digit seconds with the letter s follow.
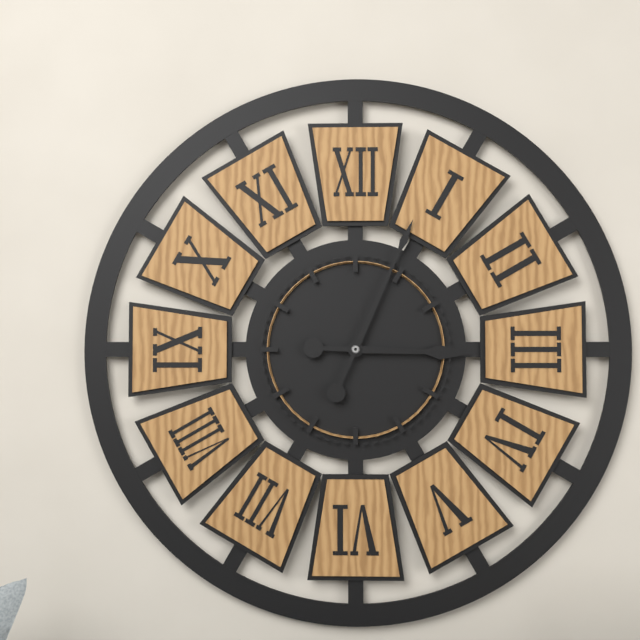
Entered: 3h04
